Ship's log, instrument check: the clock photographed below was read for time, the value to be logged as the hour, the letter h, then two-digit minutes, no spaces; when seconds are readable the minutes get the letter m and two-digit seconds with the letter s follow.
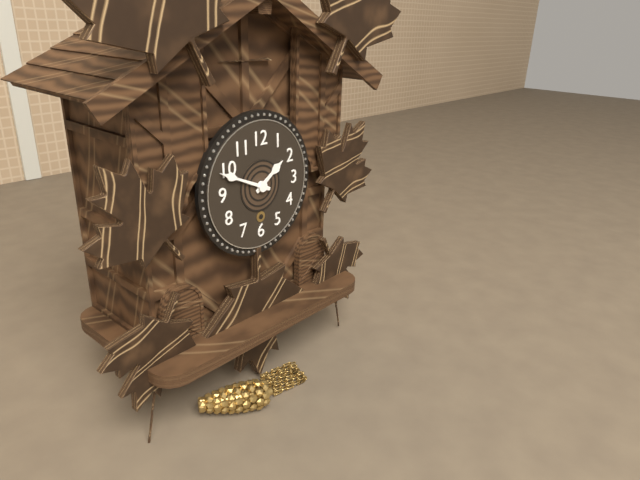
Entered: 1h49
